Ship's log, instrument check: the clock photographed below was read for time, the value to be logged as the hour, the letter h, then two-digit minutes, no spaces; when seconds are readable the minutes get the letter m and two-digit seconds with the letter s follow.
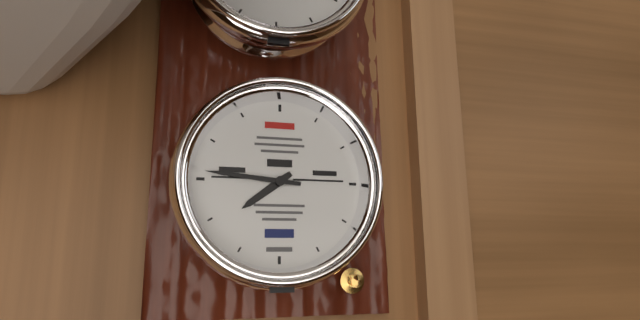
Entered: 7h46
